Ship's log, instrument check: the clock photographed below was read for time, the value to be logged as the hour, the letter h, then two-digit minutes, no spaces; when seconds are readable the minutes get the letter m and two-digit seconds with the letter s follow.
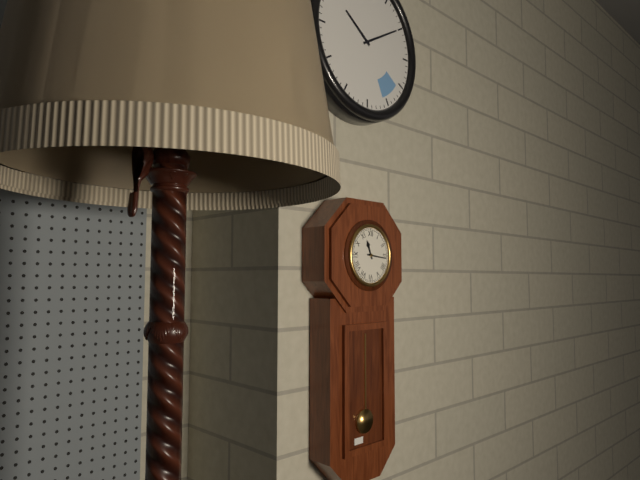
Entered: 11h16
